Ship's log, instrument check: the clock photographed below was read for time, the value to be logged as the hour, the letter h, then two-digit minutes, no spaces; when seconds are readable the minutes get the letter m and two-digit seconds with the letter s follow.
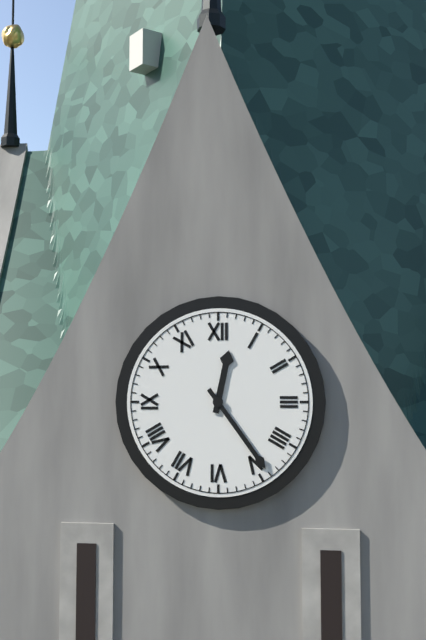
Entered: 12h24
